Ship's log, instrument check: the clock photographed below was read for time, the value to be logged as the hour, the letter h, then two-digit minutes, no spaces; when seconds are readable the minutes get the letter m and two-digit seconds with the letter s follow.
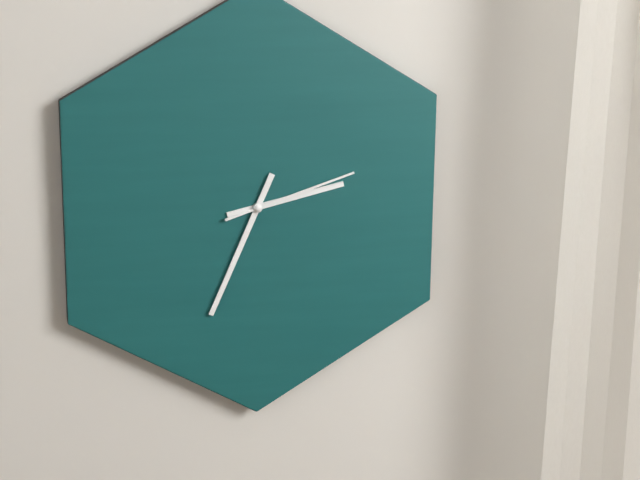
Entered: 2h34m12s
